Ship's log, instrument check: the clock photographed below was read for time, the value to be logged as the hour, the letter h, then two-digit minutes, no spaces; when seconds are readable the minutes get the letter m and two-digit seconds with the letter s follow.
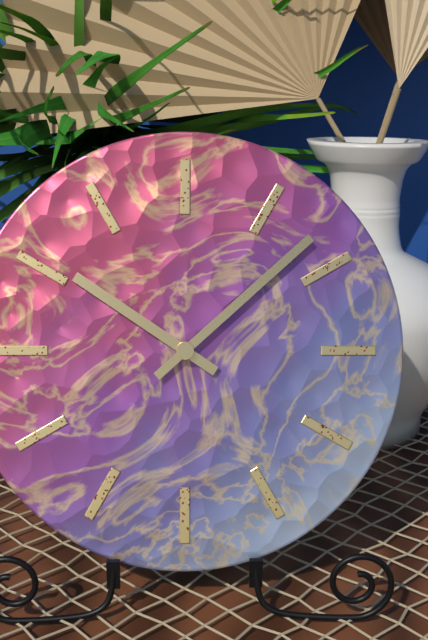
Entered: 10h08
